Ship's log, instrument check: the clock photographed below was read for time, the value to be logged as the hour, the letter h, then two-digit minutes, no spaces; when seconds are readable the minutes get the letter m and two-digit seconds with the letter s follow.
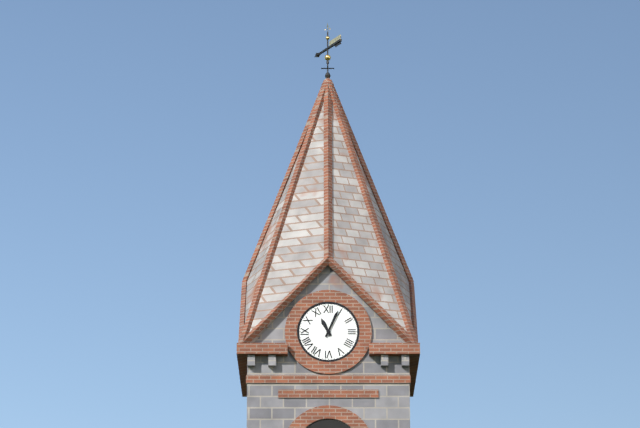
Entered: 11h04
